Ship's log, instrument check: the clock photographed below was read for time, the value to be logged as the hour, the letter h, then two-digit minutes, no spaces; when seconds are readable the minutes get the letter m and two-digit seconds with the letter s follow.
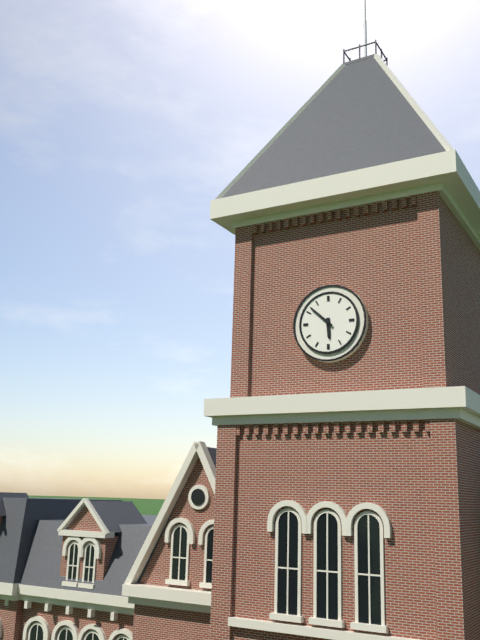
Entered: 5h52
